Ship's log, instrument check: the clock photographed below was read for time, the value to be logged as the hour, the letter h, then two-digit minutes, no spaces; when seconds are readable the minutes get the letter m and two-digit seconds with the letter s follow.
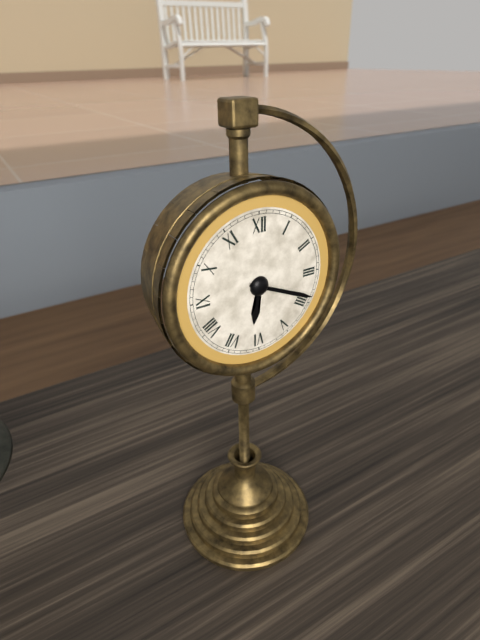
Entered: 6h19
